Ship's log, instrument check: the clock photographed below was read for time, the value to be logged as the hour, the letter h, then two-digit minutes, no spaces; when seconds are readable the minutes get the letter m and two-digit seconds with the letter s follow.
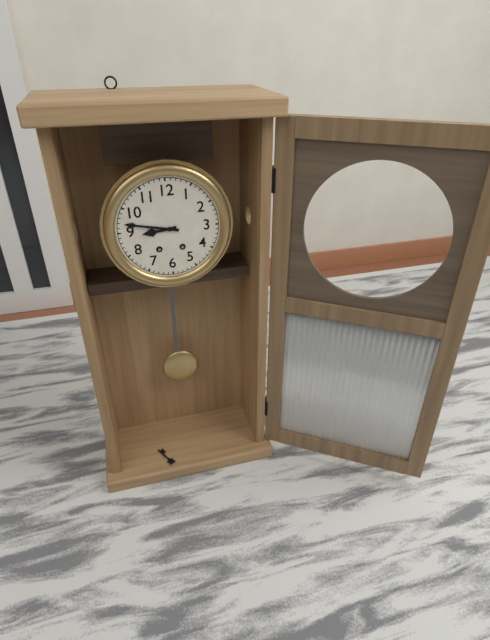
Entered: 8h47
